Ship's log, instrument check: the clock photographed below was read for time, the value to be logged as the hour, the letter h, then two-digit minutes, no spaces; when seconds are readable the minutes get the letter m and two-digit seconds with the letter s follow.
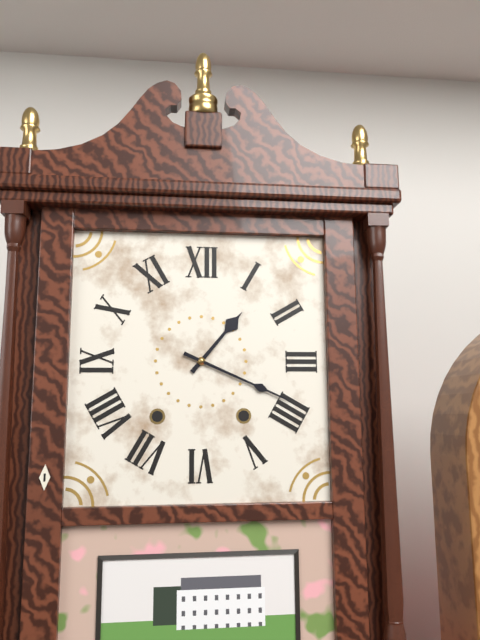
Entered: 1h19
